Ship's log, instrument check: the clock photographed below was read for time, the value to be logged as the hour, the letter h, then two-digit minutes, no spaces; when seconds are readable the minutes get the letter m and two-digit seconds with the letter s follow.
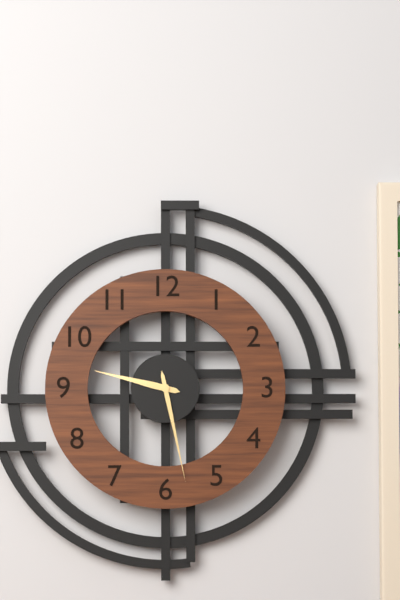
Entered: 9h28
